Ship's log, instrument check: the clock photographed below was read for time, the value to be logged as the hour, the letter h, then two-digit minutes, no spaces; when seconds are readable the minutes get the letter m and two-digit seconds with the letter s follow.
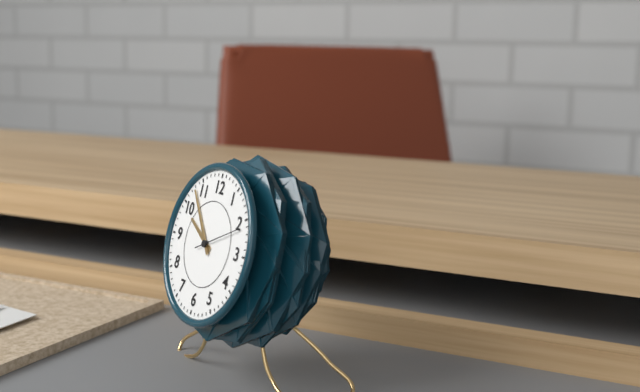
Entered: 9h53
